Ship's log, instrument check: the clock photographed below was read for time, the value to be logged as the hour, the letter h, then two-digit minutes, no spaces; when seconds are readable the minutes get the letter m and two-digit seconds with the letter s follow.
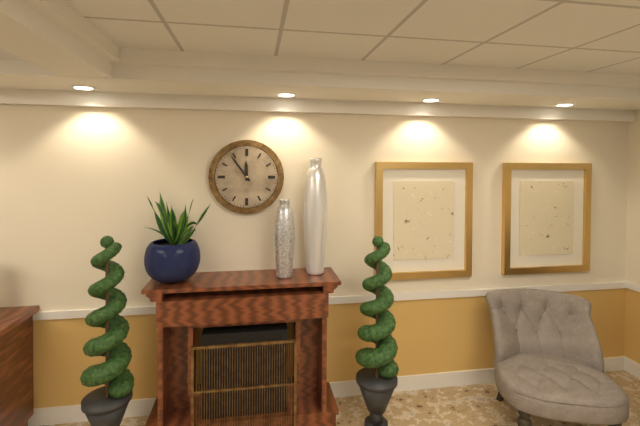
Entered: 11h54
